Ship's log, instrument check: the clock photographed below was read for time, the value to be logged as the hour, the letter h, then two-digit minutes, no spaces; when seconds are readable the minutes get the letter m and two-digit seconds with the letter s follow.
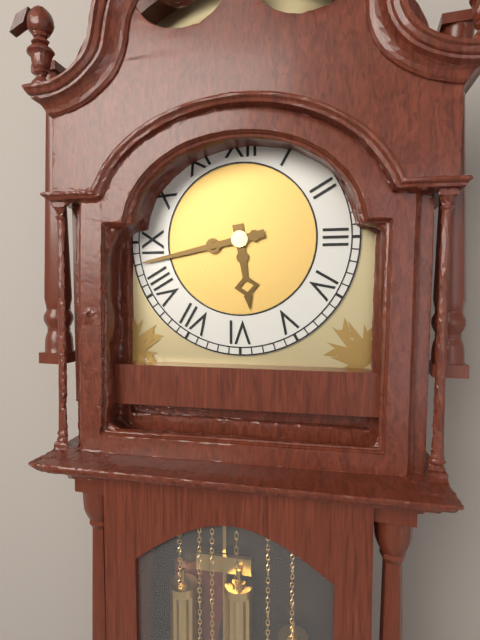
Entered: 5h43
